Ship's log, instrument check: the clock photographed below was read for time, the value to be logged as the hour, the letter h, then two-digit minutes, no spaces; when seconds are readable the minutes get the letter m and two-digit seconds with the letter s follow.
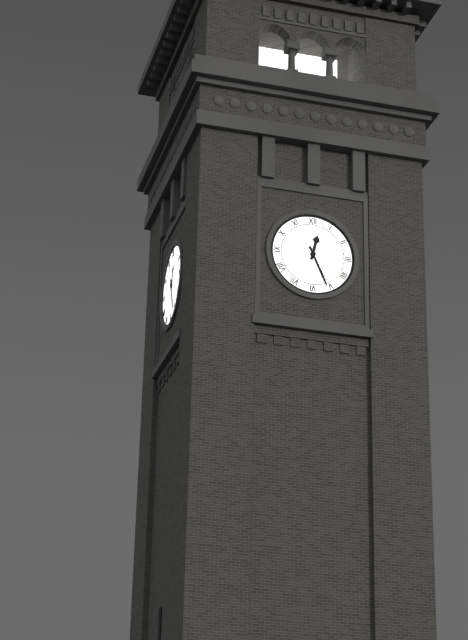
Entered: 12h26
